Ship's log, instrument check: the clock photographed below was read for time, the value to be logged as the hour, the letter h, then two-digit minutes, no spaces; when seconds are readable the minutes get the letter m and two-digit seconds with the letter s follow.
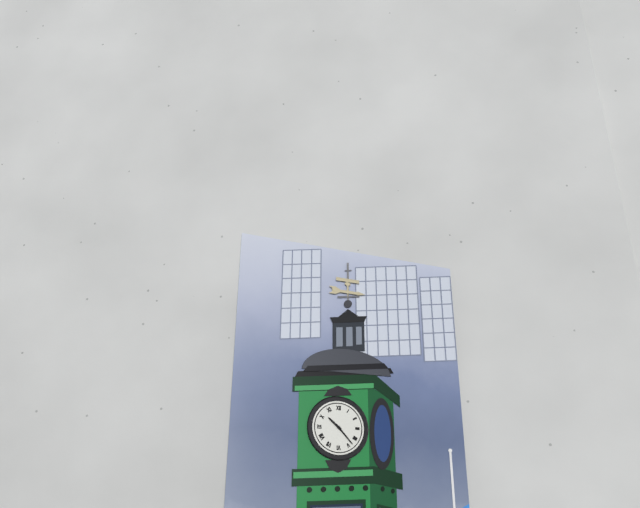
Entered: 10h23
